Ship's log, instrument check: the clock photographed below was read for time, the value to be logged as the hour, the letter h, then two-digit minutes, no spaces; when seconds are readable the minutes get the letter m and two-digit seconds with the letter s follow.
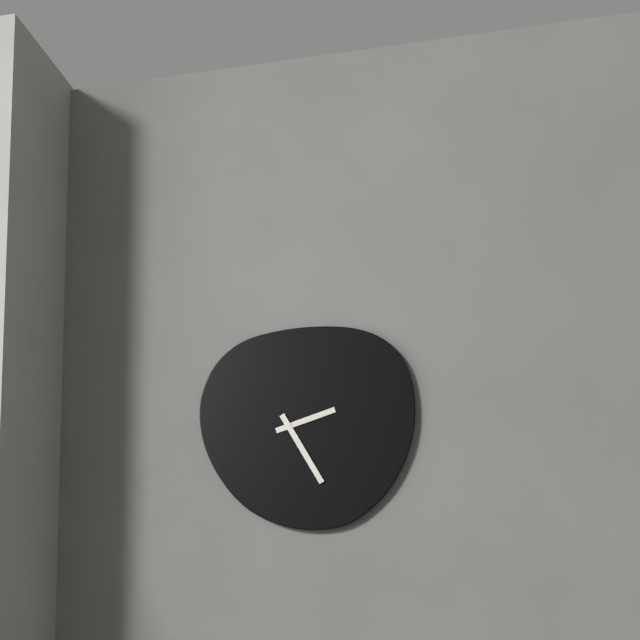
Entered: 2h25
